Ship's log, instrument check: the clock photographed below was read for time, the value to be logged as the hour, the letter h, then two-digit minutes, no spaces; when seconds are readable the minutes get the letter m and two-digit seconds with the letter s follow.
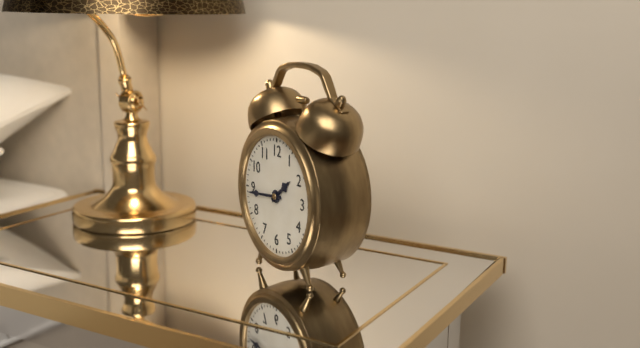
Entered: 1h44
